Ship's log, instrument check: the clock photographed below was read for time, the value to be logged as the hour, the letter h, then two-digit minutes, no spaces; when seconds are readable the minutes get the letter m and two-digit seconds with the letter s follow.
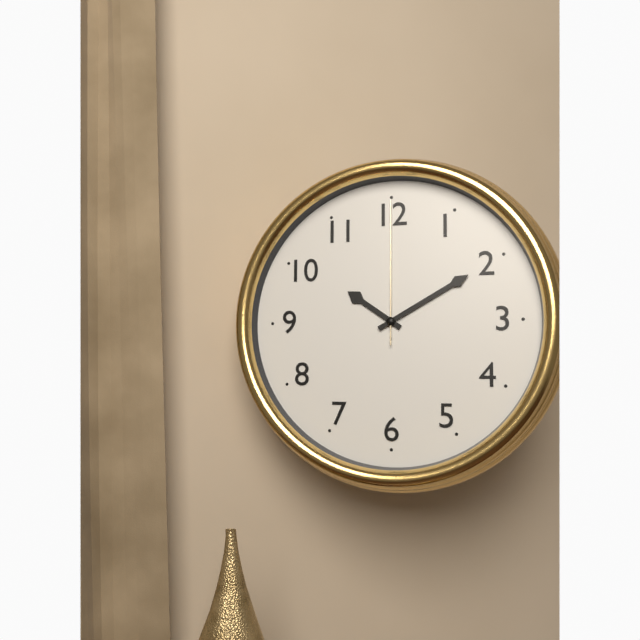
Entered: 10h10m00s
